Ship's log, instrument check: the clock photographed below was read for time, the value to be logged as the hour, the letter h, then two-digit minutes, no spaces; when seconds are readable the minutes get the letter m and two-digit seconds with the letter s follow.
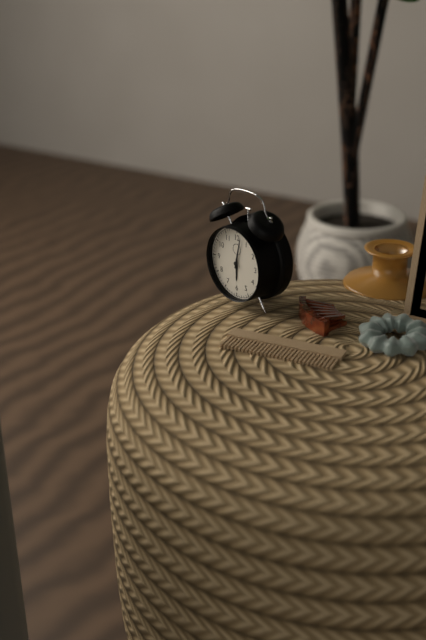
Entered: 6h02
